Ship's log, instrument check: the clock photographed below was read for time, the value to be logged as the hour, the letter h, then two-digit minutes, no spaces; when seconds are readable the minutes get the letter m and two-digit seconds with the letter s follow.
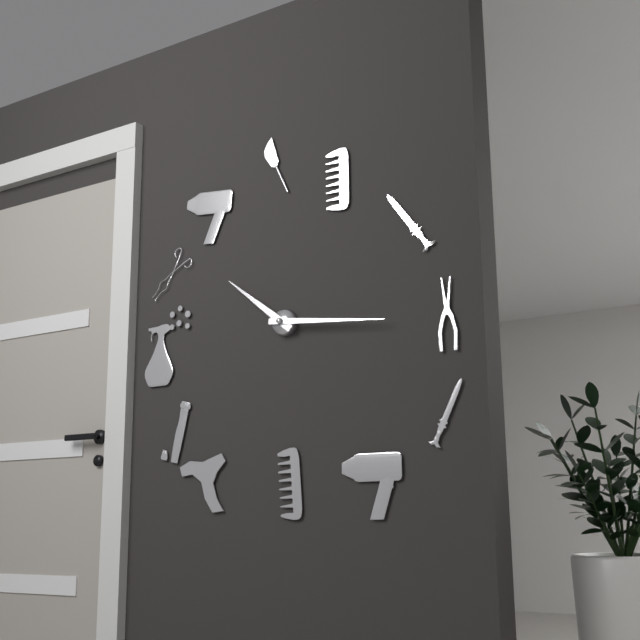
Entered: 10h16
